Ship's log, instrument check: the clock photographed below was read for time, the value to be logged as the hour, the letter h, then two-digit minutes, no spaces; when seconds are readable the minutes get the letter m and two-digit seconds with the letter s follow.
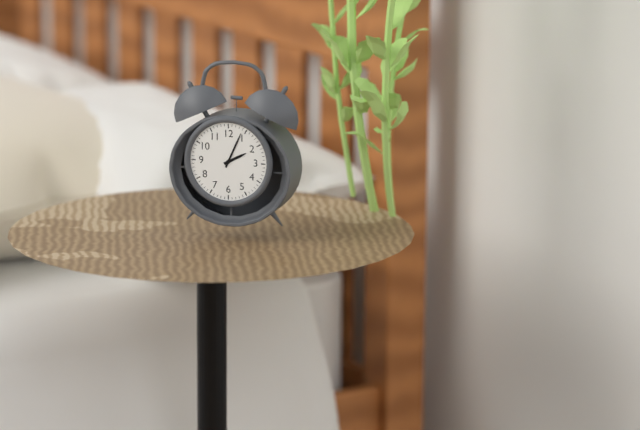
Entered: 2h04
